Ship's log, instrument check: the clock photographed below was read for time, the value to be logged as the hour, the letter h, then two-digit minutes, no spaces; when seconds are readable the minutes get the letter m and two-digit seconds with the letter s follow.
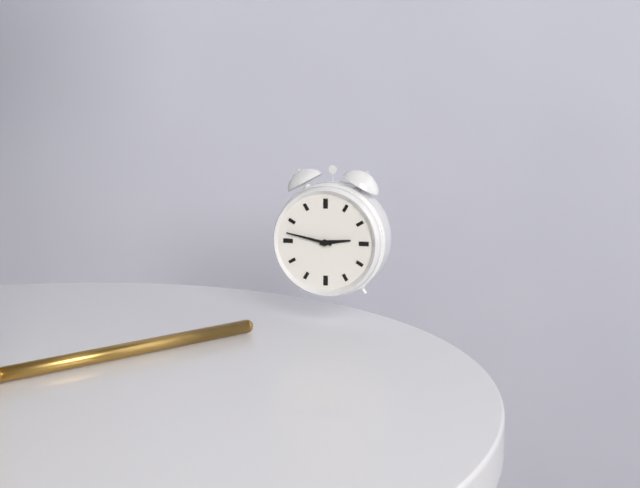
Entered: 2h47
